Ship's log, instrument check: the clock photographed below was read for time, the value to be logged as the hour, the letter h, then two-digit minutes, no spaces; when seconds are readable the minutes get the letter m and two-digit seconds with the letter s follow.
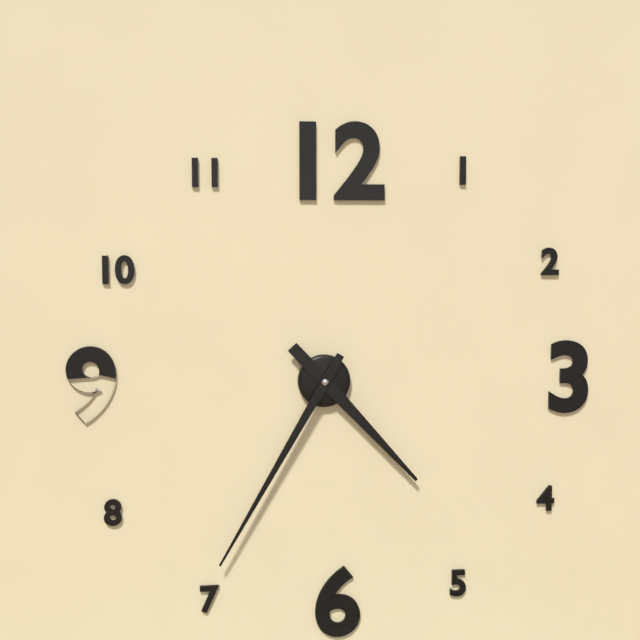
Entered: 4h35
